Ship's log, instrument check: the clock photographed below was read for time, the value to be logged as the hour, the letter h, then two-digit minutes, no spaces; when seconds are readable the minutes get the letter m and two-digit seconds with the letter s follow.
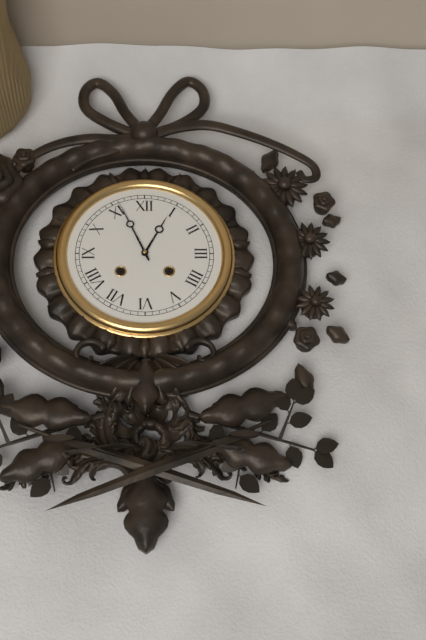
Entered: 12h56
